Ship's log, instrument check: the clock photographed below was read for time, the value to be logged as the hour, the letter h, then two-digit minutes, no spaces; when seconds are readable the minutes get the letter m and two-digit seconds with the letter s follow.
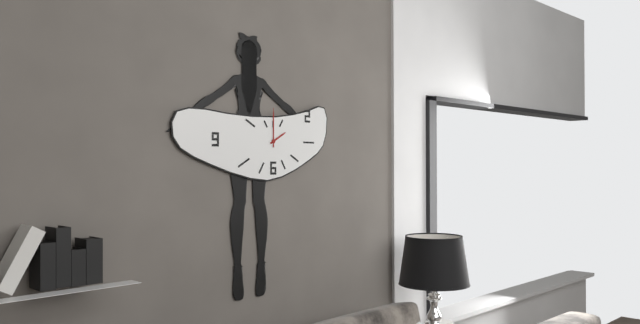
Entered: 2h00
